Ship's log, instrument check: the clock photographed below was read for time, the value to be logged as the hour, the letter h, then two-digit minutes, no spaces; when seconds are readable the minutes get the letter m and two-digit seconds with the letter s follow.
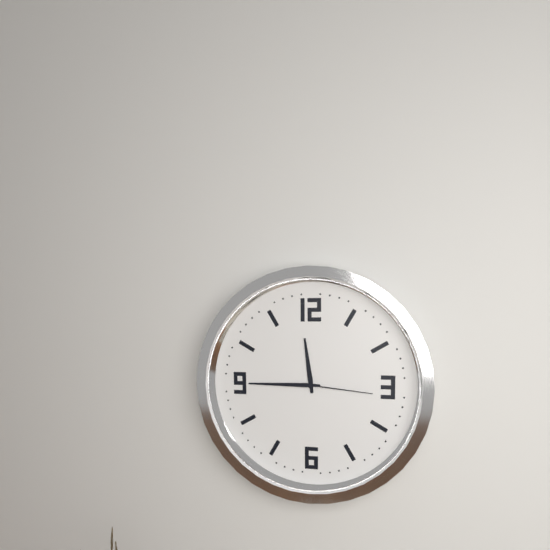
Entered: 11h45m16s
